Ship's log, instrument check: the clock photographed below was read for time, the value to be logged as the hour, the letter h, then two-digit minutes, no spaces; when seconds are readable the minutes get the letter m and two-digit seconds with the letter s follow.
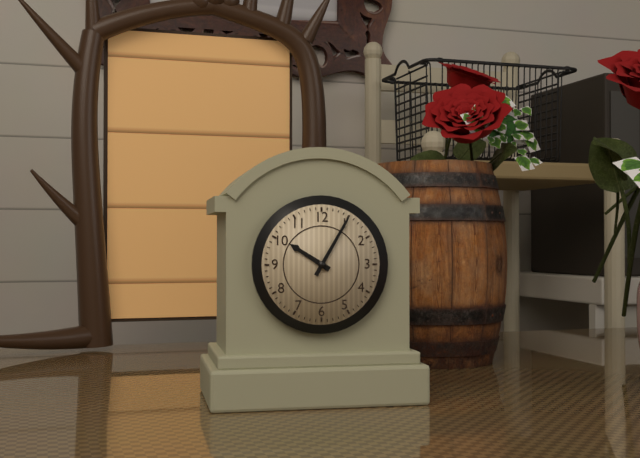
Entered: 10h05
